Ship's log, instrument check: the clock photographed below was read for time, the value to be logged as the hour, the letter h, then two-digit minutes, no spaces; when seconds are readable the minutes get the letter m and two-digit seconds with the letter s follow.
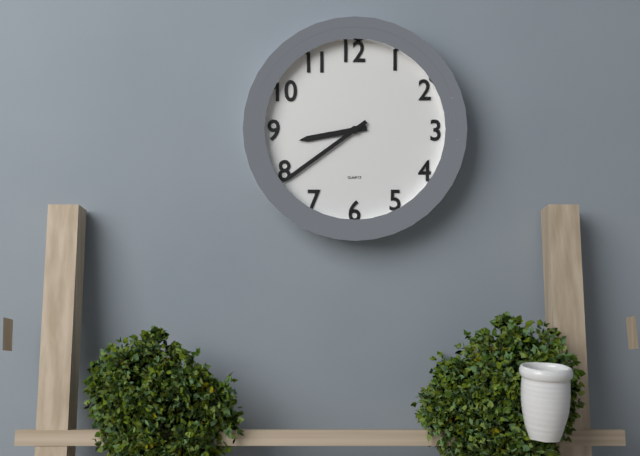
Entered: 8h39
